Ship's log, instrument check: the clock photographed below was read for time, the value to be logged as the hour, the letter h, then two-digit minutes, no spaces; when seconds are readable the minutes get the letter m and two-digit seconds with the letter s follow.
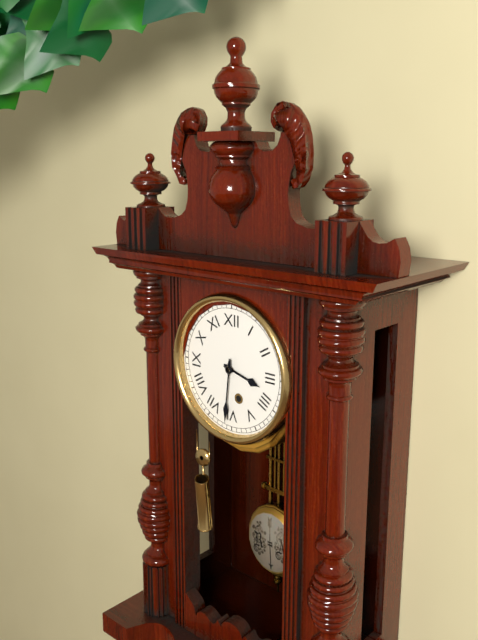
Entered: 3h31
